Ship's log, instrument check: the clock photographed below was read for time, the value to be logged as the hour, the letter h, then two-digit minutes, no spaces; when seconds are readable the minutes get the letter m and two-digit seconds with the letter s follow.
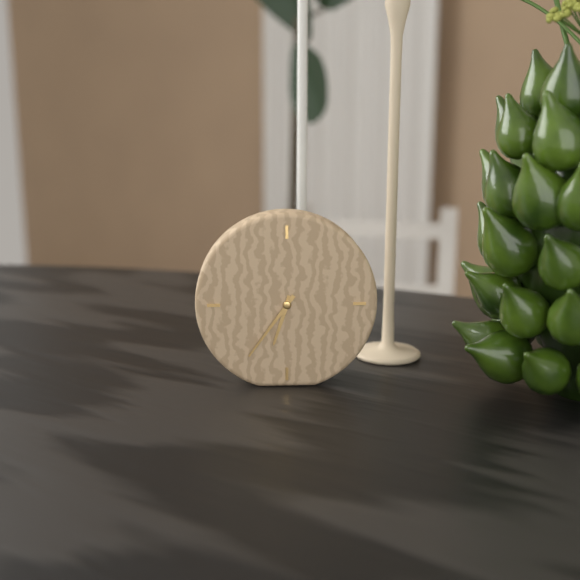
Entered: 6h36
